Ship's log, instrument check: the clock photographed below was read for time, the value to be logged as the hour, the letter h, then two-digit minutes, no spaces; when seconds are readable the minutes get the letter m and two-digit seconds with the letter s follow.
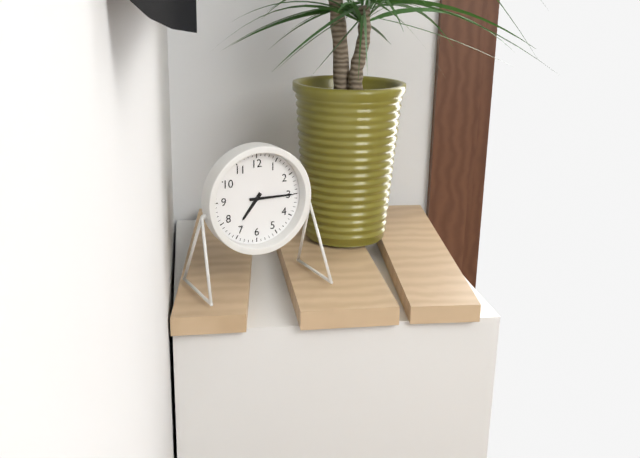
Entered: 7h15
